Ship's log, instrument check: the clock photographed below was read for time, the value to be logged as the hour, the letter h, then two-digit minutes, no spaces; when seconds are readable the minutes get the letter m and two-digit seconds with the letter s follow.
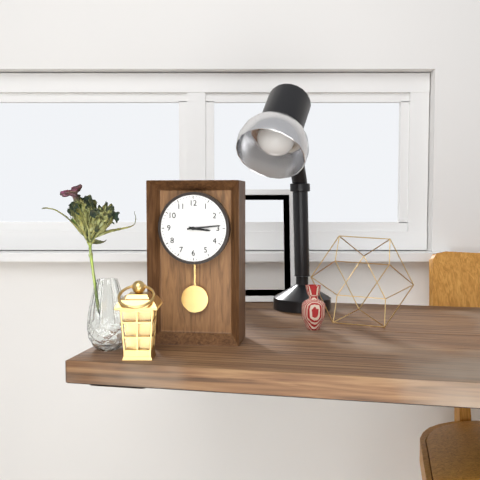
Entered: 3h14
